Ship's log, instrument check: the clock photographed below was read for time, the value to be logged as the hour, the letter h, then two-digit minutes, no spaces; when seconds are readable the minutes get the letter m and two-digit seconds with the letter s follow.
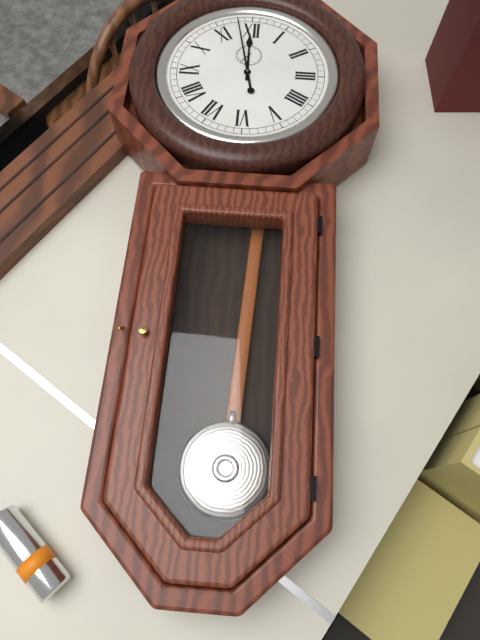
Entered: 11h58
